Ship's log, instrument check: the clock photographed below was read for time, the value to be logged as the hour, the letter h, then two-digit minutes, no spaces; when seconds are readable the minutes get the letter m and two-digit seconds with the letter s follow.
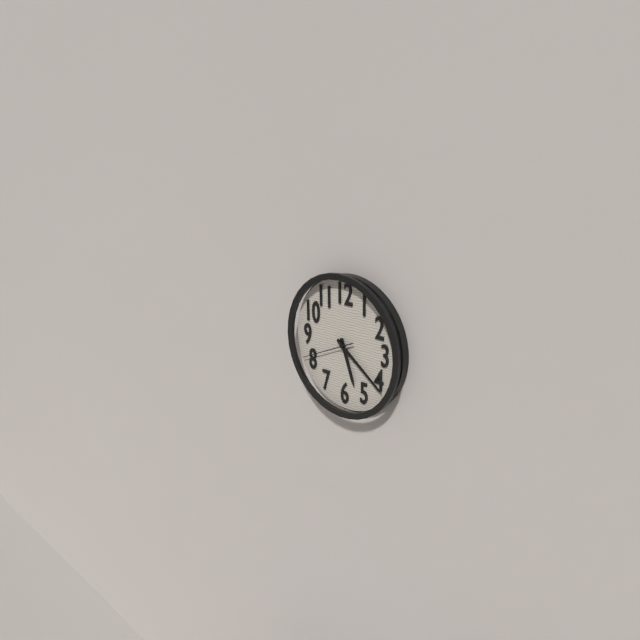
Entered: 5h21m41s
